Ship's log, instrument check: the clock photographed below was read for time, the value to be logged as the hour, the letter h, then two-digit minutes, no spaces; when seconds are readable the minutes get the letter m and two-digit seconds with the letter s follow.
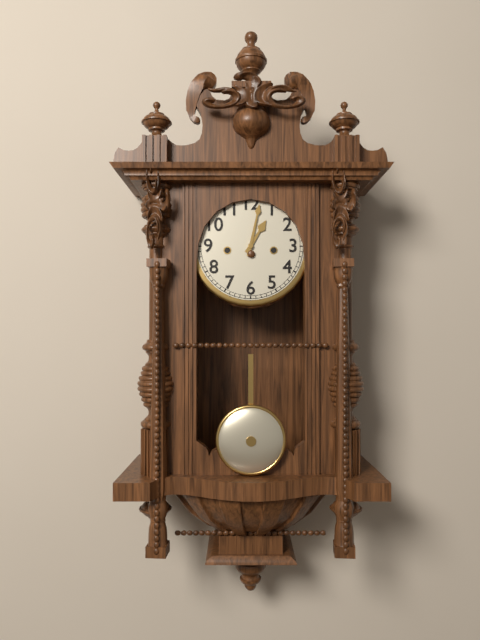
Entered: 1h02
